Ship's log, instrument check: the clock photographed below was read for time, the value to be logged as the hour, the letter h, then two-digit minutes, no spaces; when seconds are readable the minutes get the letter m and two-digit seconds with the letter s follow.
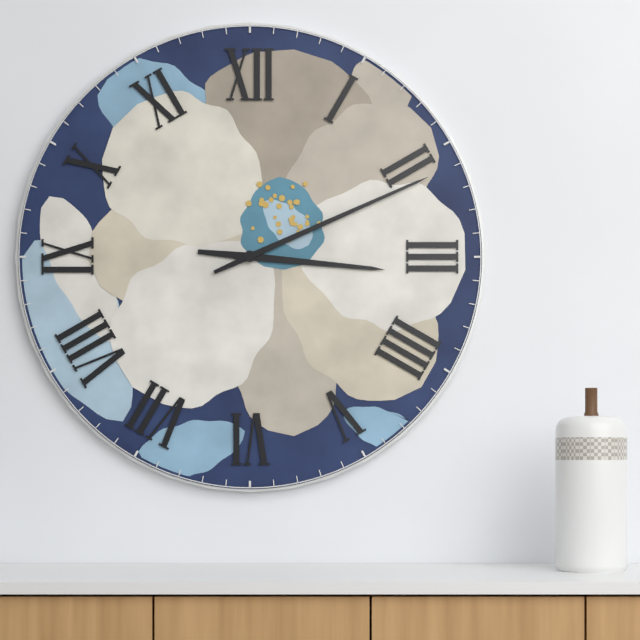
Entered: 3h11
